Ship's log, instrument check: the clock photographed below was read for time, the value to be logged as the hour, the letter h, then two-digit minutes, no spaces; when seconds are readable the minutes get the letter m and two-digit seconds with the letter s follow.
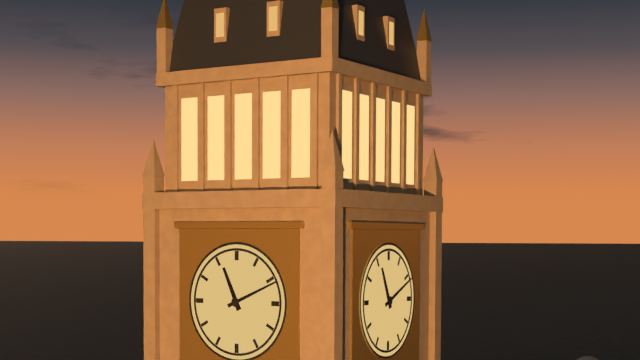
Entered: 11h11
